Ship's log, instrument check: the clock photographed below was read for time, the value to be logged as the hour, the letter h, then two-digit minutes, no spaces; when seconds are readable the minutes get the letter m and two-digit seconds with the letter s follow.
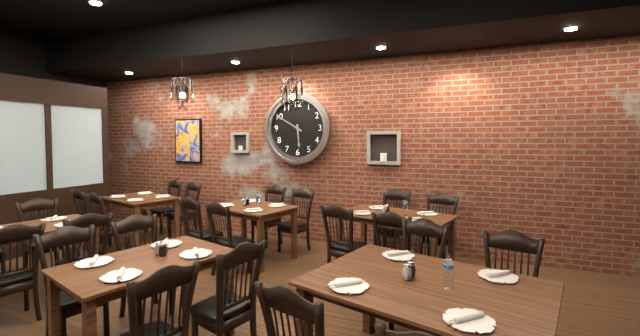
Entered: 5h50
